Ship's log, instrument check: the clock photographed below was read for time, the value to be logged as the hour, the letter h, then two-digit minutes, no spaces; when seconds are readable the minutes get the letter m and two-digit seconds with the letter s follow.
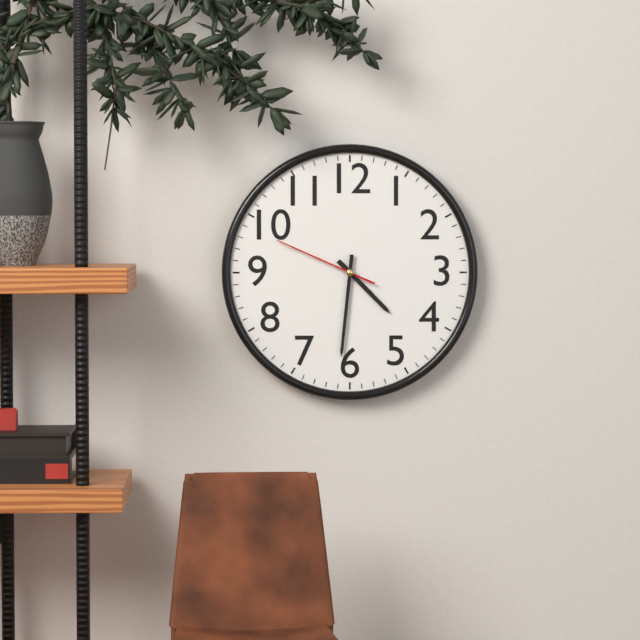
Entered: 4h31m49s
